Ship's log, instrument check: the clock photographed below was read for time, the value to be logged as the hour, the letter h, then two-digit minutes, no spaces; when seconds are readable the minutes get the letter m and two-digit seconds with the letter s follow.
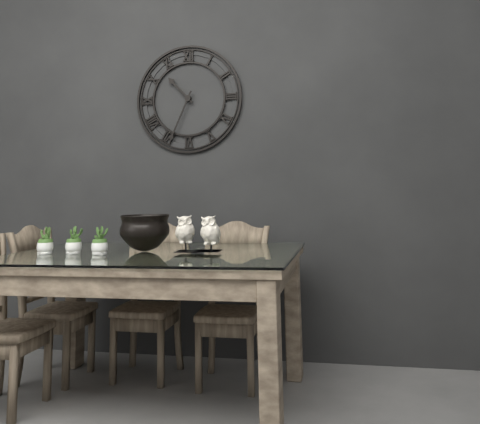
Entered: 10h34
